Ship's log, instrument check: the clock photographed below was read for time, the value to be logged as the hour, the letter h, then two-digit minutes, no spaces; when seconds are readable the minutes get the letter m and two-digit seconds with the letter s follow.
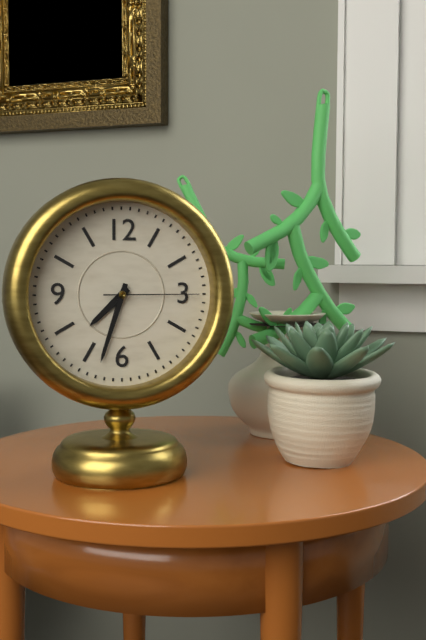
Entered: 7h33m15s
